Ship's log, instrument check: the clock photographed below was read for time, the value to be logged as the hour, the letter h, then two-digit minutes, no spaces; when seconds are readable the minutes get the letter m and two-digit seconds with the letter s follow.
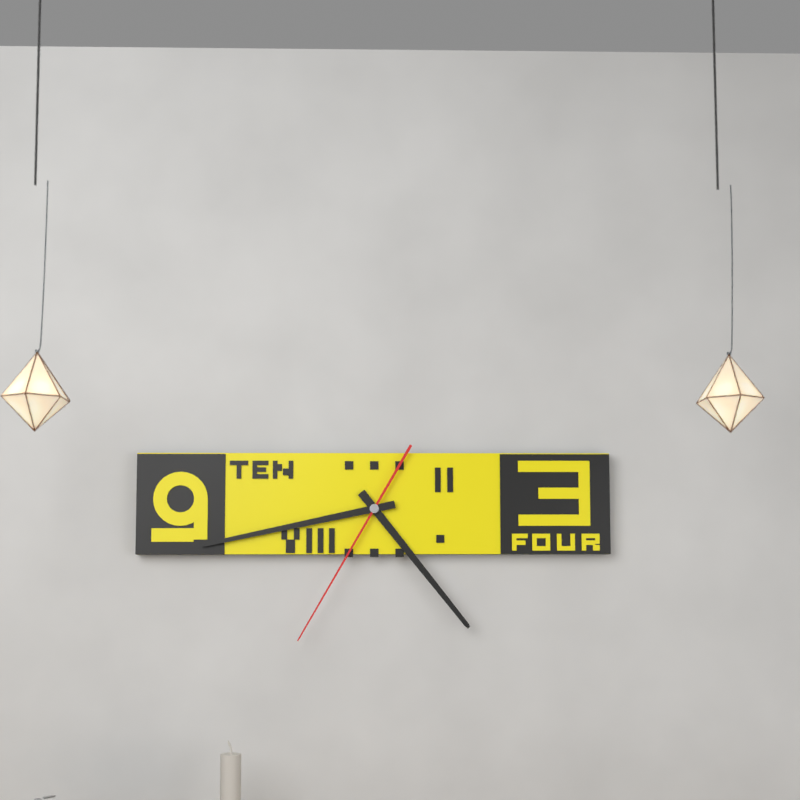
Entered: 4h43m35s
